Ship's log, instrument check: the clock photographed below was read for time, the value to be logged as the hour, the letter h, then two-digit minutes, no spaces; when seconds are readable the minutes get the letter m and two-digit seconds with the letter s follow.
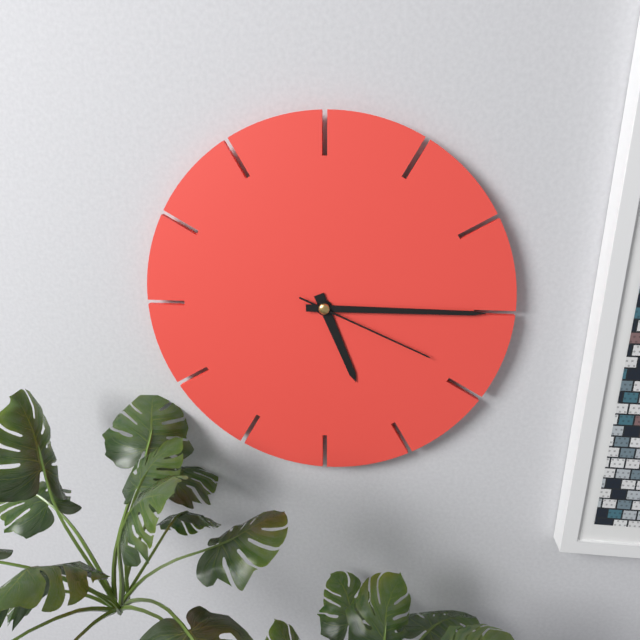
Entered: 5h15m19s
